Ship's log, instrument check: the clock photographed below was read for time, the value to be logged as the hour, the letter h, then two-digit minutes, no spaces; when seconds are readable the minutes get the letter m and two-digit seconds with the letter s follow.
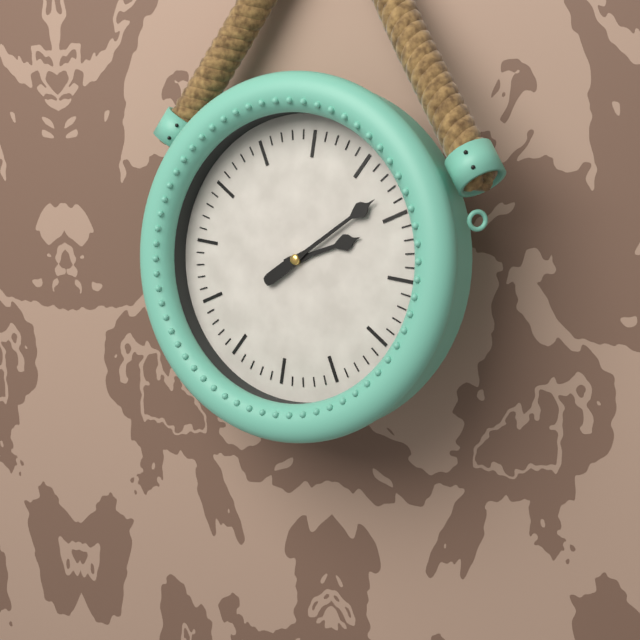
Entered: 2h08
